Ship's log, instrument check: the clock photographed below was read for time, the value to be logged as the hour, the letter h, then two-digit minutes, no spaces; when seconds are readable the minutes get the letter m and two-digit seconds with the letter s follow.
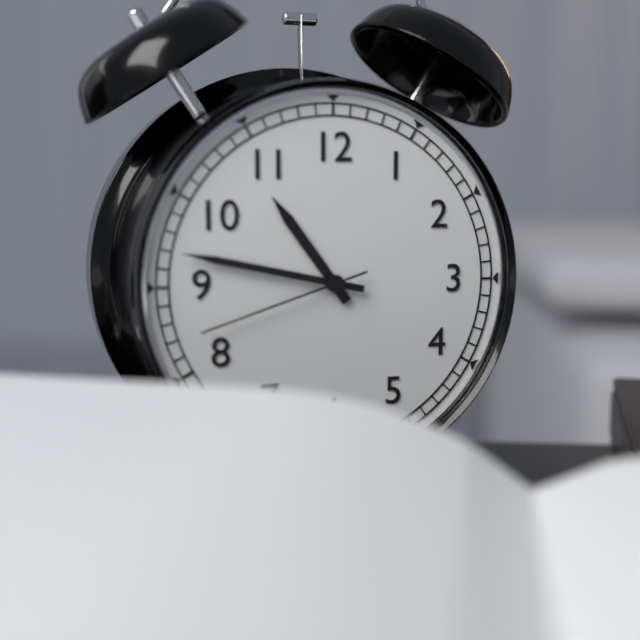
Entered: 10h47m42s
